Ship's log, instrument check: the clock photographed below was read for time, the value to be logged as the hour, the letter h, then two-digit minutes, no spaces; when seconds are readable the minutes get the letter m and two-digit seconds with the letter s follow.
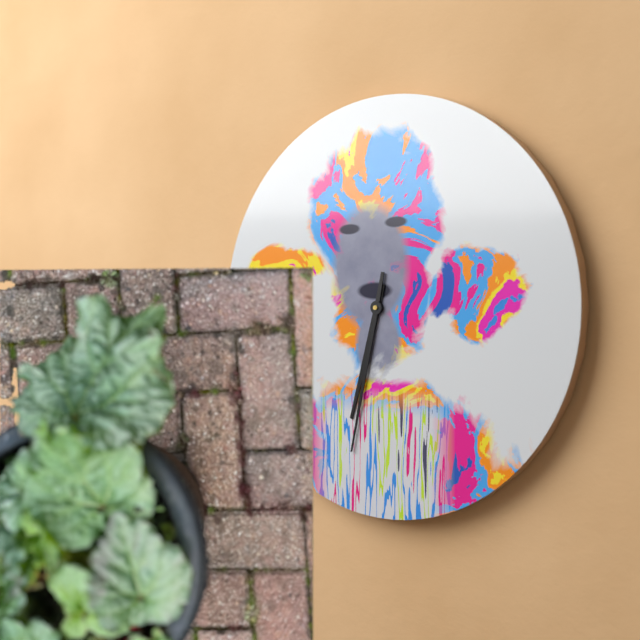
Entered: 6h32
